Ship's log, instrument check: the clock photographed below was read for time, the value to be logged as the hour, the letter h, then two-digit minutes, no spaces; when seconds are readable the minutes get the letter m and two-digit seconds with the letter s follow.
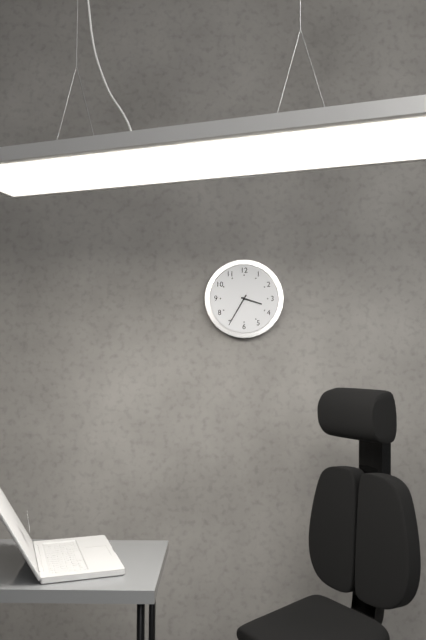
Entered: 3h35
